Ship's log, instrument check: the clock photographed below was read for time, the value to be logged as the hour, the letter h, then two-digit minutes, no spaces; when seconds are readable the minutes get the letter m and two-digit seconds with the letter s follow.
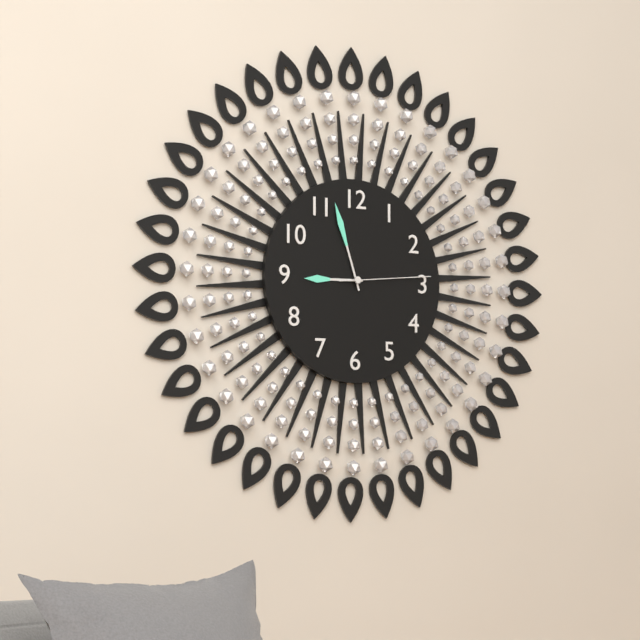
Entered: 8h57m14s
